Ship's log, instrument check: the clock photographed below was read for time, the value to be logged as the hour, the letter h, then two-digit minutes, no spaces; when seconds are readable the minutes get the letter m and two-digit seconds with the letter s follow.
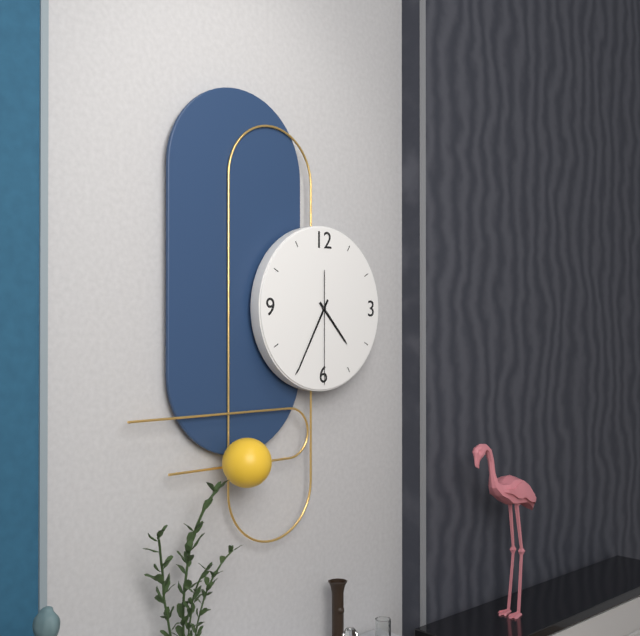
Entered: 4h35m30s
